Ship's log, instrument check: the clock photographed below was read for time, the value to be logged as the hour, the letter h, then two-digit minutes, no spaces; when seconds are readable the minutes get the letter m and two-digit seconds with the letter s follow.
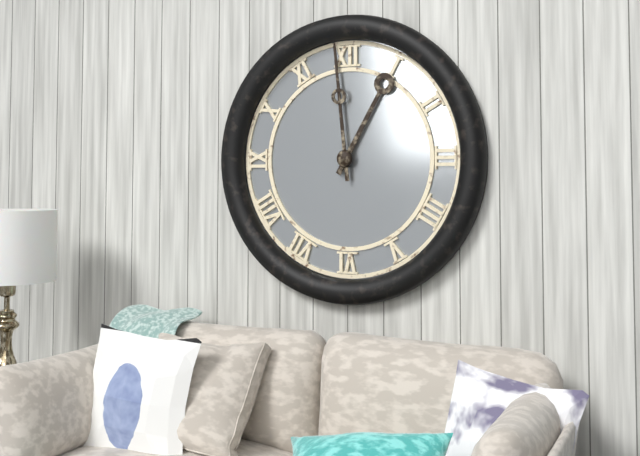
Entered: 12h59
